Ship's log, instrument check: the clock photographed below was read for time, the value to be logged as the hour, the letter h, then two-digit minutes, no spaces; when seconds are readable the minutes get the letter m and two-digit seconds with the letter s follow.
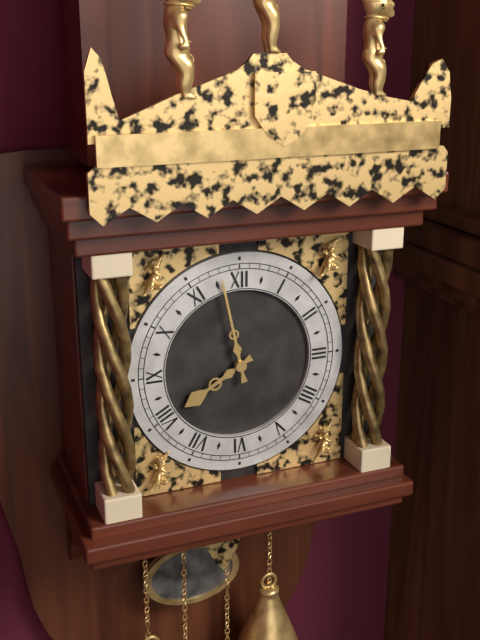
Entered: 7h58
